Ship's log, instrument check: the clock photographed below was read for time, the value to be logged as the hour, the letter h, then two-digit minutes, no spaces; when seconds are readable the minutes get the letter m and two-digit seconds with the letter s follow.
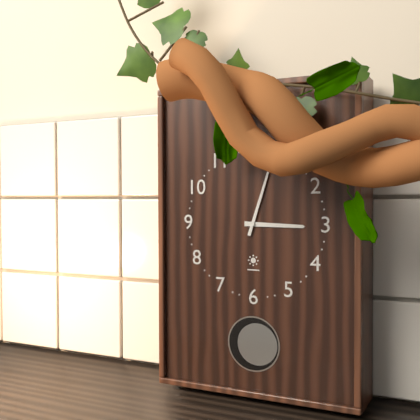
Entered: 3h03
